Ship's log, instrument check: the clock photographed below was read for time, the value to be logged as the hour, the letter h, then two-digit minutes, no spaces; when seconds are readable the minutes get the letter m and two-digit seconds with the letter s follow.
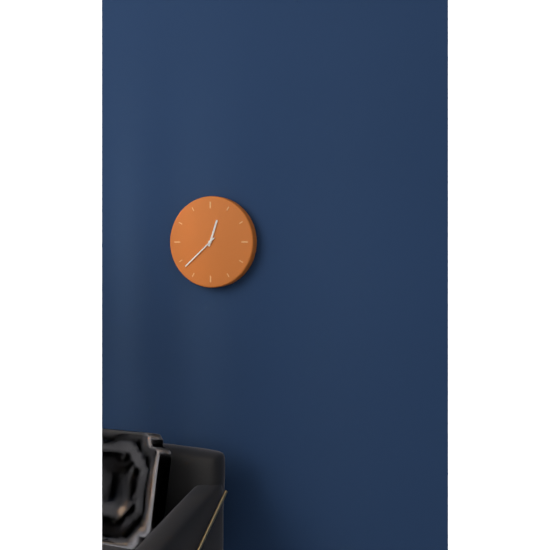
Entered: 12h38
